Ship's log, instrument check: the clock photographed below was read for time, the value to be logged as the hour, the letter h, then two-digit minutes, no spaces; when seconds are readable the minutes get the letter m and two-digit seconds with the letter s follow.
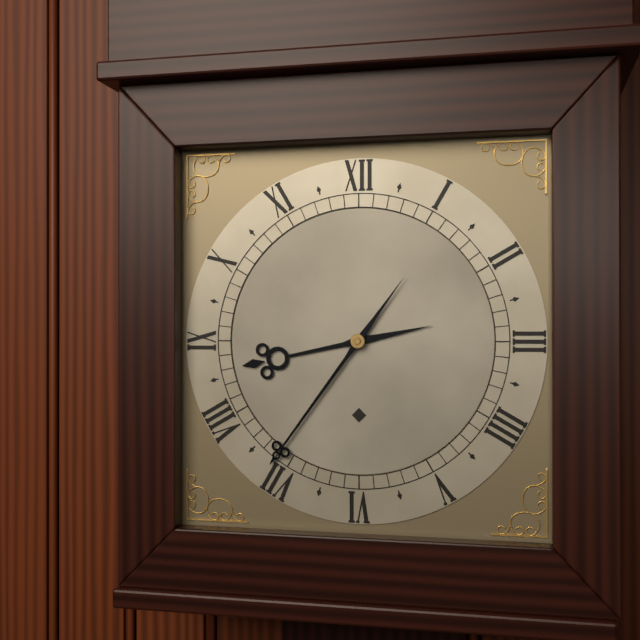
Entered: 8h36
